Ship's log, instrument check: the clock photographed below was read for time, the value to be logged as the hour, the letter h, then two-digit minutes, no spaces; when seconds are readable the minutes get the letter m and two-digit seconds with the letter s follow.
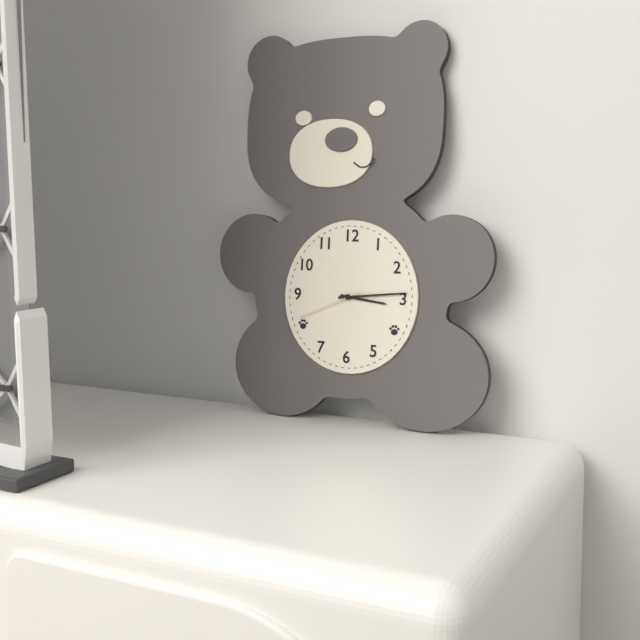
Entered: 3h14m41s
